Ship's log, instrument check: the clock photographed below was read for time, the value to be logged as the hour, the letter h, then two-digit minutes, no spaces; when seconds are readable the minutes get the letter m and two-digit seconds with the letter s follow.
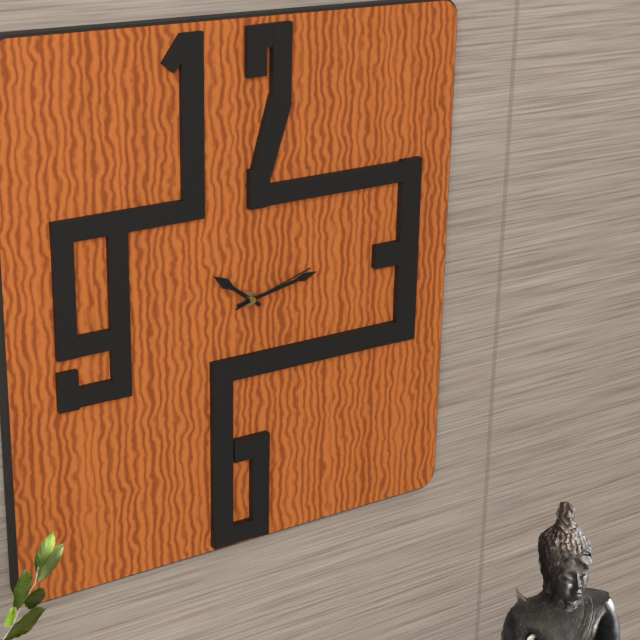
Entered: 10h13m12s
